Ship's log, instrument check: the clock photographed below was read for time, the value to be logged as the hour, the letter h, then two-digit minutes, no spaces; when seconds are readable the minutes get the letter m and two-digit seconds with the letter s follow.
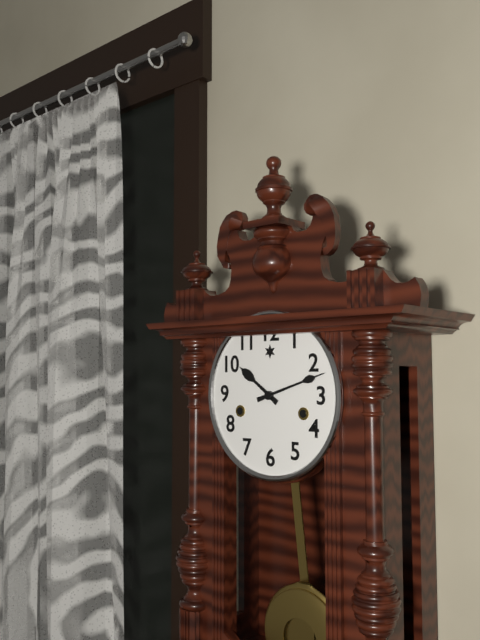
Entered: 10h12
